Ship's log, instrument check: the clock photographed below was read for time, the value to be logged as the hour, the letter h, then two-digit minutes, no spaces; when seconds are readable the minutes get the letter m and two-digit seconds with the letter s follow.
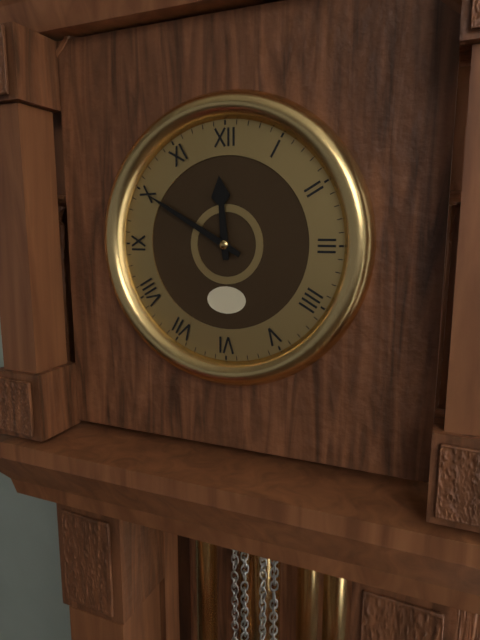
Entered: 11h50
